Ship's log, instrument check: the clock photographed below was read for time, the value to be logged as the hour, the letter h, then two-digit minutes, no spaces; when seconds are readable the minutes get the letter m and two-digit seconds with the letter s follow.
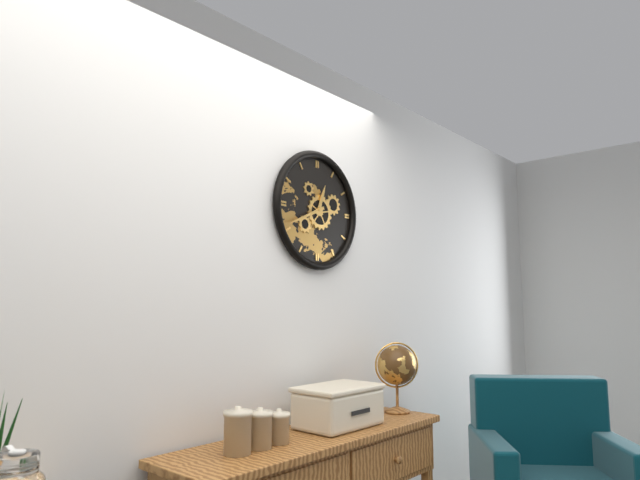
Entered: 12h41
